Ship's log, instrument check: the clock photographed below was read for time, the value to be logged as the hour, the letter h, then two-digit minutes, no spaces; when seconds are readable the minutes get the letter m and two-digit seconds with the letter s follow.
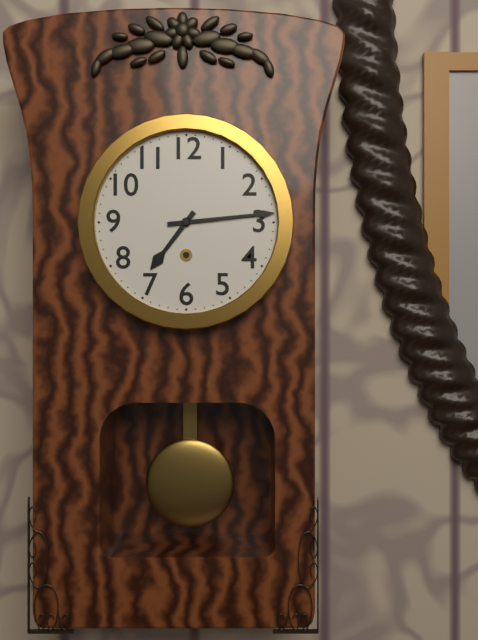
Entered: 7h14
